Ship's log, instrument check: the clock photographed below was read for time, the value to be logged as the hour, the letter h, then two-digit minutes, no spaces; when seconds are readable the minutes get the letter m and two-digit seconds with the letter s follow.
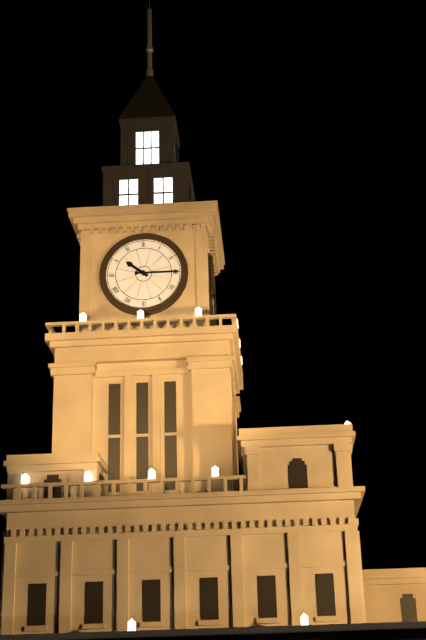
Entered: 10h15
